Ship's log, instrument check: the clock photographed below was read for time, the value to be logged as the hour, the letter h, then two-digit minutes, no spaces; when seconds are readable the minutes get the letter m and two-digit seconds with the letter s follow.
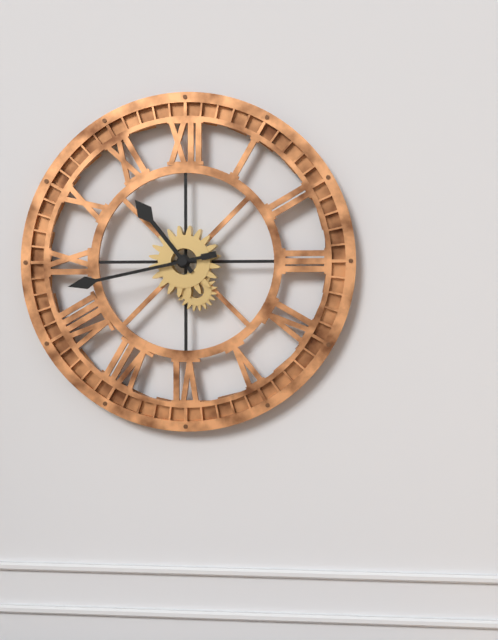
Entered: 10h43
